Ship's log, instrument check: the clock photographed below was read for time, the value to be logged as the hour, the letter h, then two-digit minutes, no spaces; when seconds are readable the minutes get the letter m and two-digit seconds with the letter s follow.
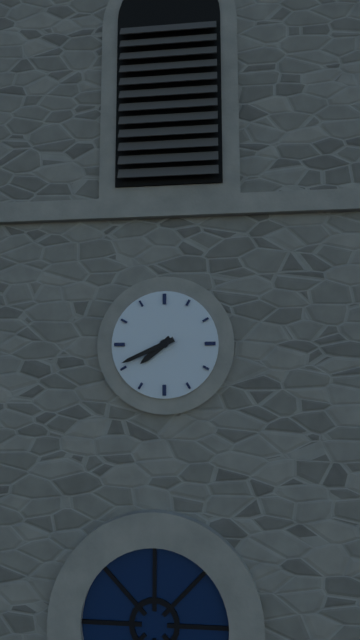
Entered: 7h41
